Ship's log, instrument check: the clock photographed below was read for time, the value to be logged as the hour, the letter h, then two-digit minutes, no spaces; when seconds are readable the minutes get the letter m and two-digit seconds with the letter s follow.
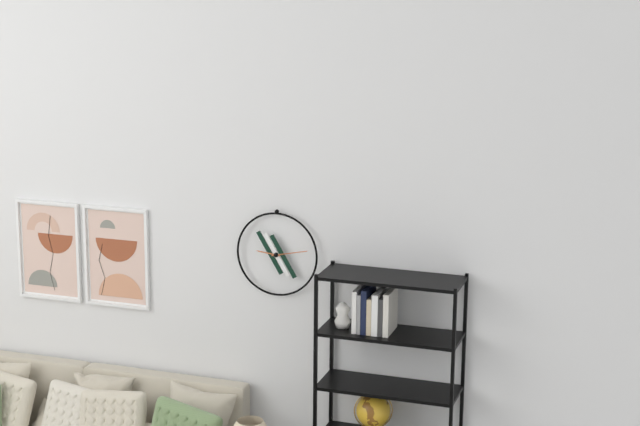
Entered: 9h13
